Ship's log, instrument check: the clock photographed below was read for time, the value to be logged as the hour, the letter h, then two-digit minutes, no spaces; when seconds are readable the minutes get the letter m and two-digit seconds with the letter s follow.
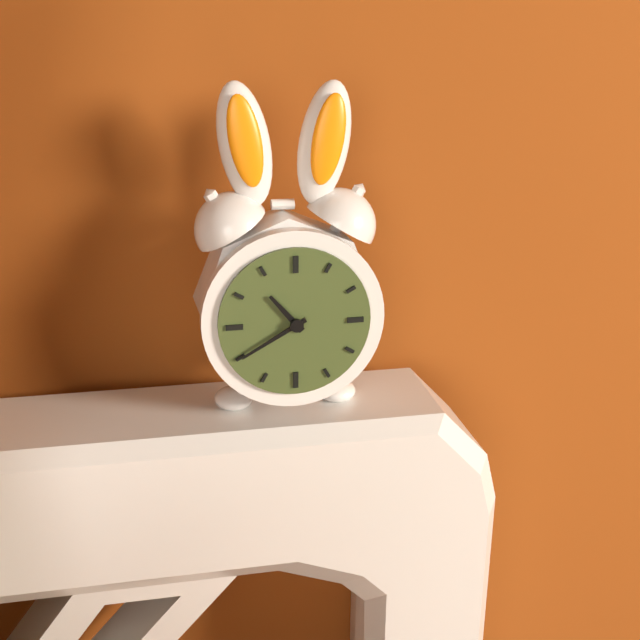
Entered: 10h40
